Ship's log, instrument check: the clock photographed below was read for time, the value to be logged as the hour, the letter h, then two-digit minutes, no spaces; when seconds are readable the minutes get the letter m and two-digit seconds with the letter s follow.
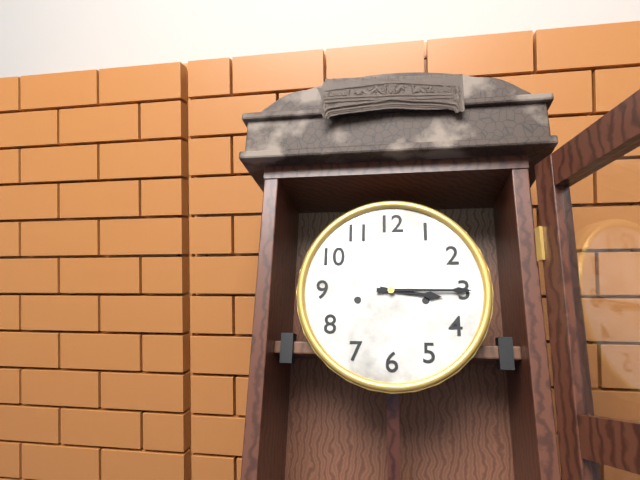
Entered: 3h15
